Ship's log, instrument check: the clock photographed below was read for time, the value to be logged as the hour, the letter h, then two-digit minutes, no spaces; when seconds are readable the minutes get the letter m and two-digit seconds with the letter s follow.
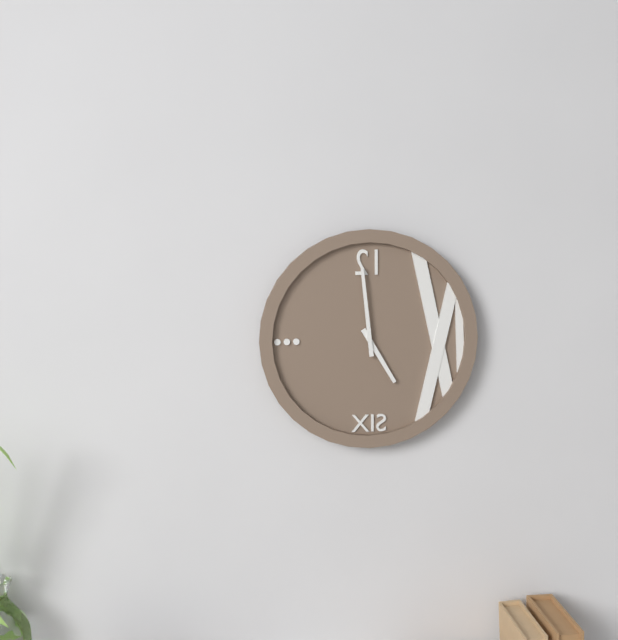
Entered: 4h59
